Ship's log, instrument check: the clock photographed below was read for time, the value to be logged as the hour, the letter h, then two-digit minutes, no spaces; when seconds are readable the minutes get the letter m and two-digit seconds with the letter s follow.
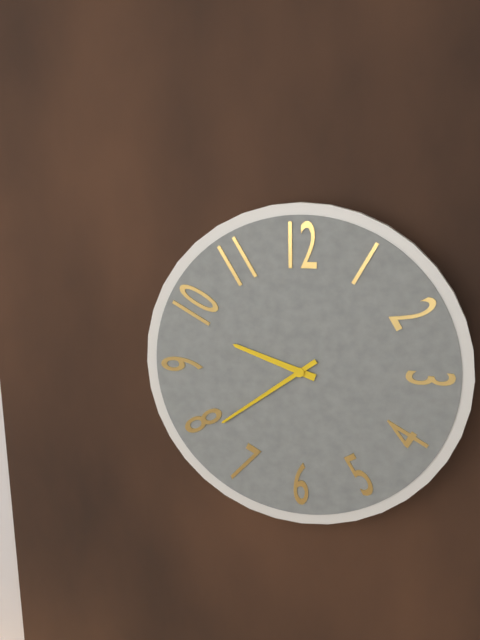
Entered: 9h39
